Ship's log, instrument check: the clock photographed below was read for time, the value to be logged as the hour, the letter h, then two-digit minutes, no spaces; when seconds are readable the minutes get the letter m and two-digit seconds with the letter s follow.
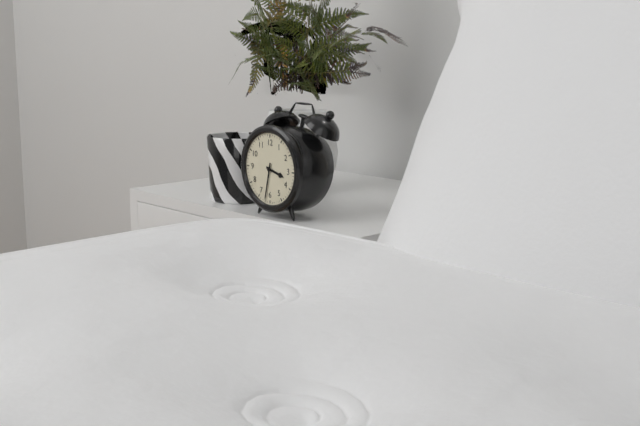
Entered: 3h32
